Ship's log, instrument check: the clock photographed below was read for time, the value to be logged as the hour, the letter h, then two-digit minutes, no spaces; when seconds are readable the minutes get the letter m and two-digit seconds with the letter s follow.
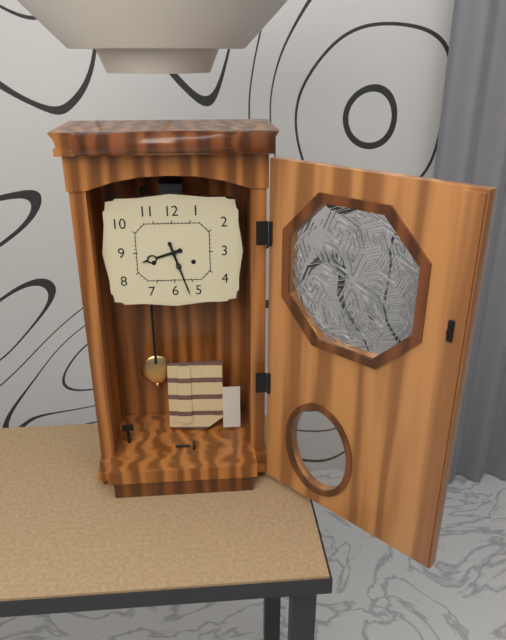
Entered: 8h27
